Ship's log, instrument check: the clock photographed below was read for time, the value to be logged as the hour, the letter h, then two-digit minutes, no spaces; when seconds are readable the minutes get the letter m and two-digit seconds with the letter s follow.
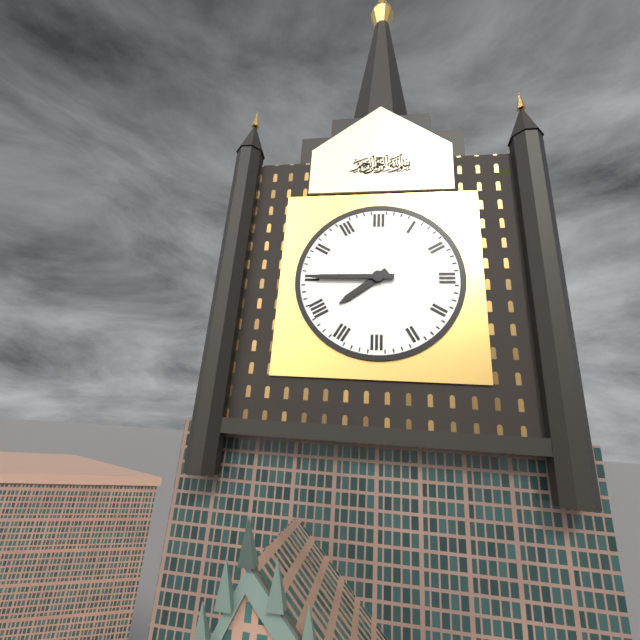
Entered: 7h45
